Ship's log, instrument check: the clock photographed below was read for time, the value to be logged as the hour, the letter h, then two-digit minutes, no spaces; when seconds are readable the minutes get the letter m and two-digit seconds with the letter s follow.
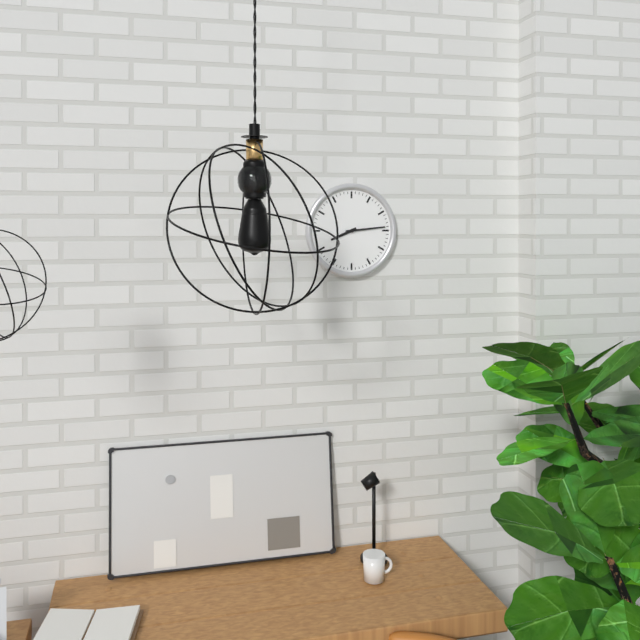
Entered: 8h14
